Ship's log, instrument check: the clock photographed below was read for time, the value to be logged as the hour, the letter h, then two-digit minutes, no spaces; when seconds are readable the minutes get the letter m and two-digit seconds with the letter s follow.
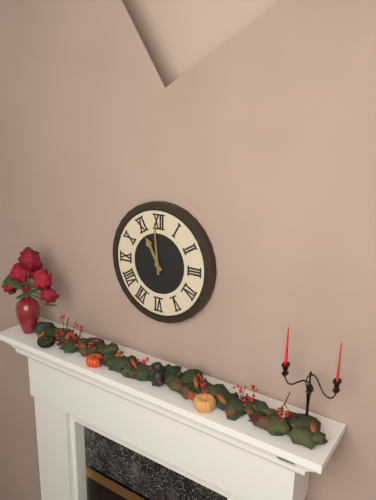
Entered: 10h59
